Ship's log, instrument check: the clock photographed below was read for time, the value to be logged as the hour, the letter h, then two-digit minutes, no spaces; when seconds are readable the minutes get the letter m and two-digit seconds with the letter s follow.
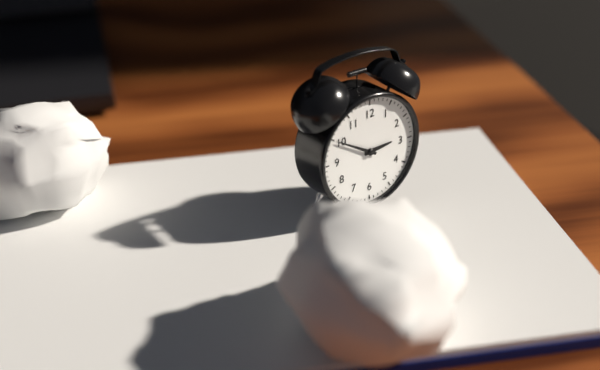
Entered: 2h50
